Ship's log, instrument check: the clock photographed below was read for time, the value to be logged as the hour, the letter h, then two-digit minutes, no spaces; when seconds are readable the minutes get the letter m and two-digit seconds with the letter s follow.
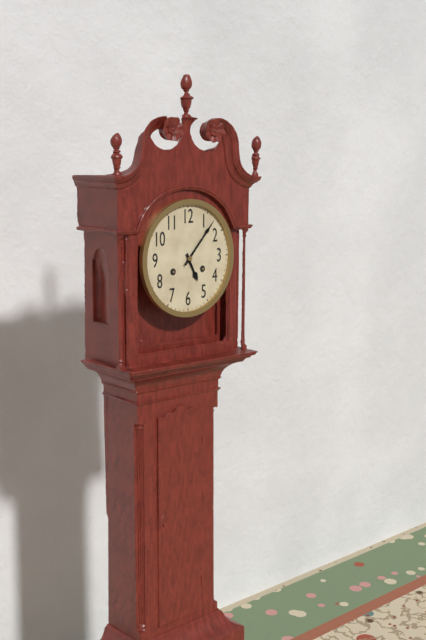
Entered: 5h07
